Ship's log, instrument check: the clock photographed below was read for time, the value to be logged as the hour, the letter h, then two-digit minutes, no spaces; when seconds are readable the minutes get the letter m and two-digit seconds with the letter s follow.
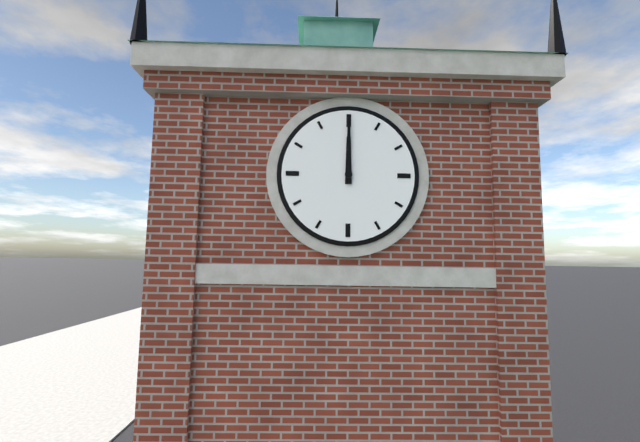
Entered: 12h00
